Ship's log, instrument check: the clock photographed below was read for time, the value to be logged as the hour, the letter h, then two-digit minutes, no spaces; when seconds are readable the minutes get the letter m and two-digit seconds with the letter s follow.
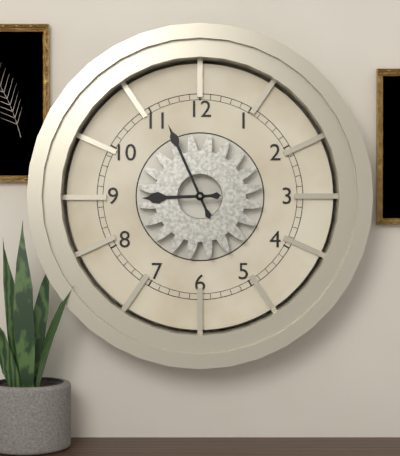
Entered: 8h56
